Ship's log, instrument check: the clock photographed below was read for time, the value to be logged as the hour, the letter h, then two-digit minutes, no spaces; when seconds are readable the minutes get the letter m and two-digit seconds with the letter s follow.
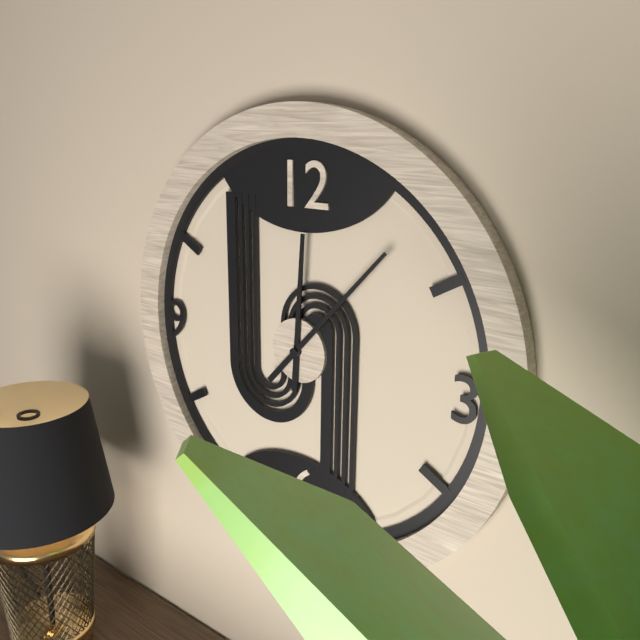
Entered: 12h07
